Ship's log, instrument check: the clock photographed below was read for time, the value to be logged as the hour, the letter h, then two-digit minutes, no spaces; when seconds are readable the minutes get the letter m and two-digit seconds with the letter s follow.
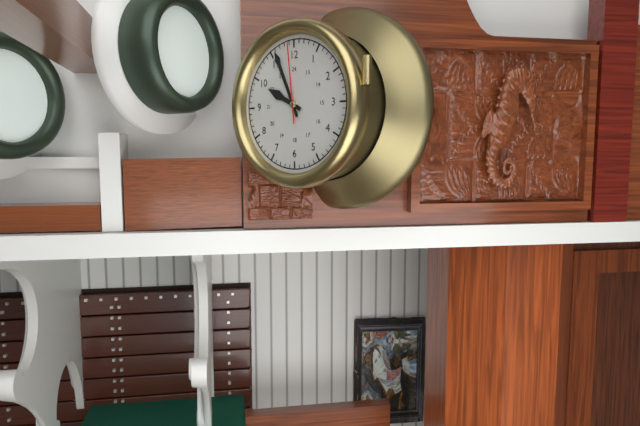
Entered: 9h56m59s
